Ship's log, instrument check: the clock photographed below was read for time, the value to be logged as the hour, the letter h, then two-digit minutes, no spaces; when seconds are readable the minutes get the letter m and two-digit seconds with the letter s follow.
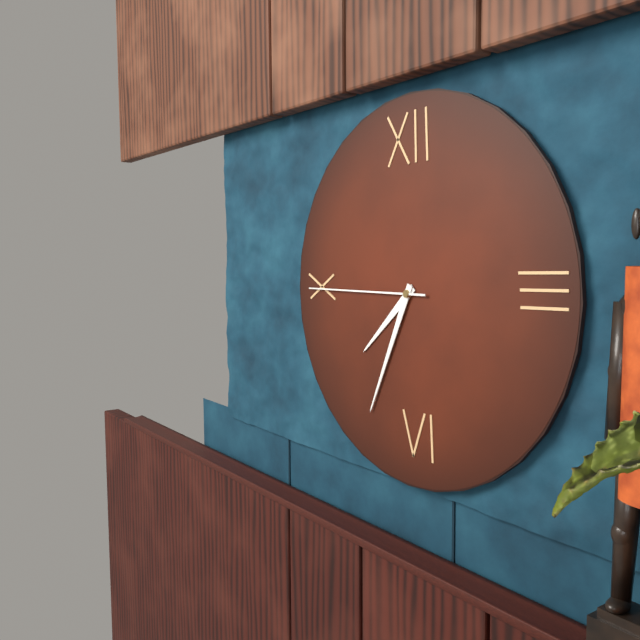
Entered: 7h34m45s
